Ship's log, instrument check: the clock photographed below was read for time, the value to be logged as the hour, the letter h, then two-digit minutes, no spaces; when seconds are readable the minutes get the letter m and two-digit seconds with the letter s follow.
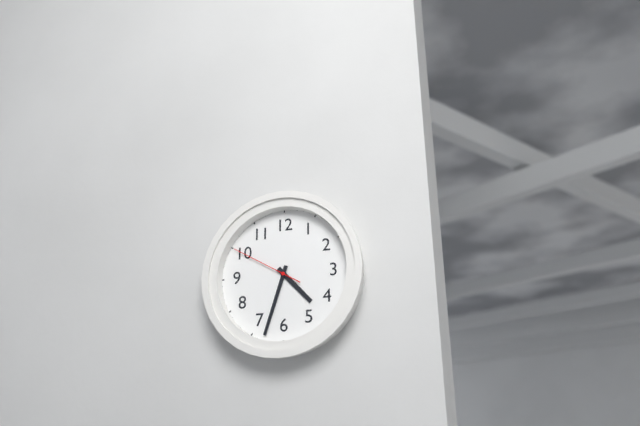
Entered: 4h33m50s
